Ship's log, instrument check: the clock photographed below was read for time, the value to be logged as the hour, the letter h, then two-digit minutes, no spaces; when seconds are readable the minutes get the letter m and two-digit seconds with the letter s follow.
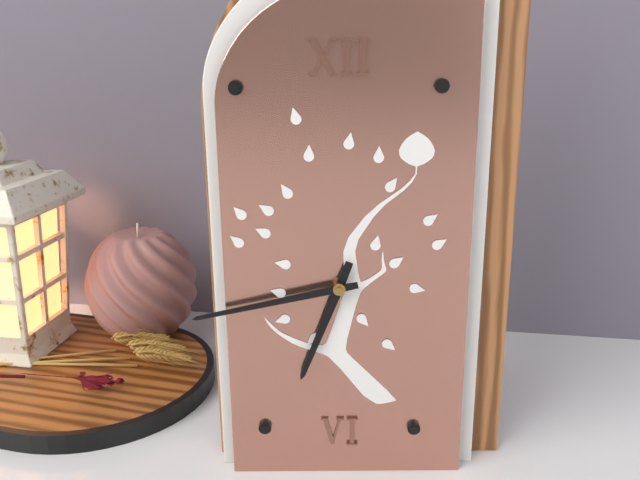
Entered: 6h43
